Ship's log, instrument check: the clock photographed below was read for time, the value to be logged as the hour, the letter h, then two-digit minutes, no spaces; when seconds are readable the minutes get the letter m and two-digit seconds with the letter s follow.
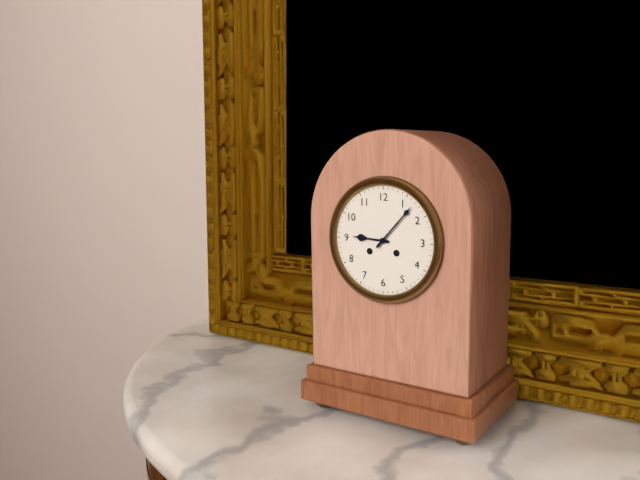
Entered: 9h07
